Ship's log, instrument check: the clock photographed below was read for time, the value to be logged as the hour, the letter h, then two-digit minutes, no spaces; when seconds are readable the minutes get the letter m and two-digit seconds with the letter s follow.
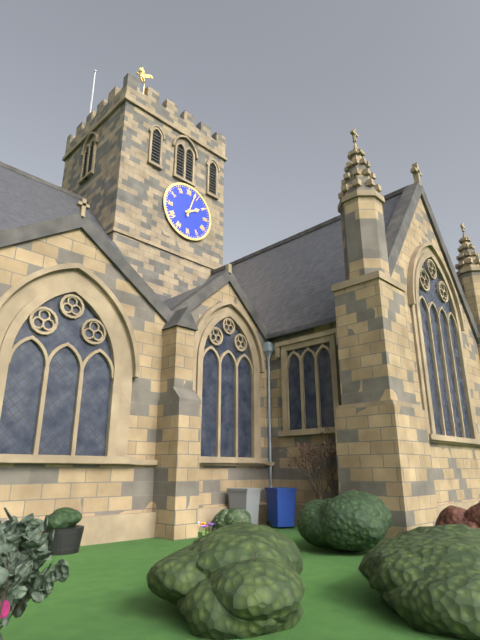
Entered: 2h03
